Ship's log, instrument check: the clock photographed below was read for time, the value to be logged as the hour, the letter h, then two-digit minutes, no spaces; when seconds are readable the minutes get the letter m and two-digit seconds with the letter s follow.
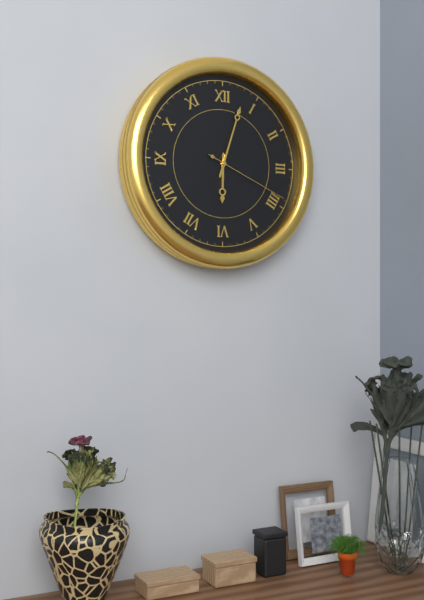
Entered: 6h03m19s
